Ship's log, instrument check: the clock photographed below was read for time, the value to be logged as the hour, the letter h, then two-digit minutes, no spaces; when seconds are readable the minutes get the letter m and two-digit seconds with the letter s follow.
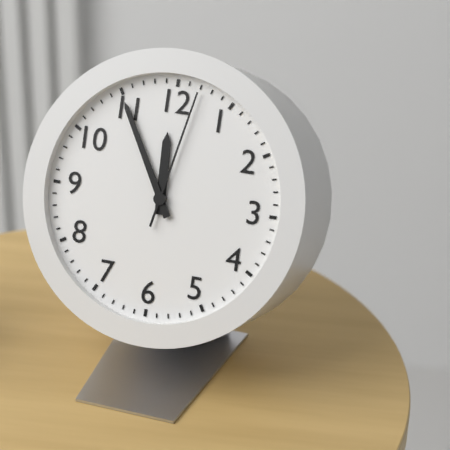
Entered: 11h55m02s
